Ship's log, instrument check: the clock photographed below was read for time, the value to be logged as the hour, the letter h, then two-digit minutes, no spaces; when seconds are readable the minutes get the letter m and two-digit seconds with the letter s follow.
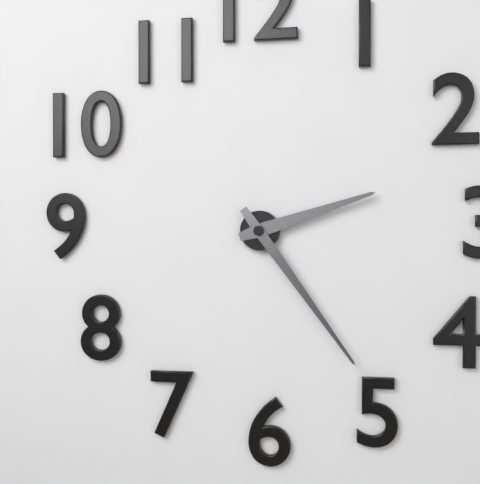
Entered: 2h24
